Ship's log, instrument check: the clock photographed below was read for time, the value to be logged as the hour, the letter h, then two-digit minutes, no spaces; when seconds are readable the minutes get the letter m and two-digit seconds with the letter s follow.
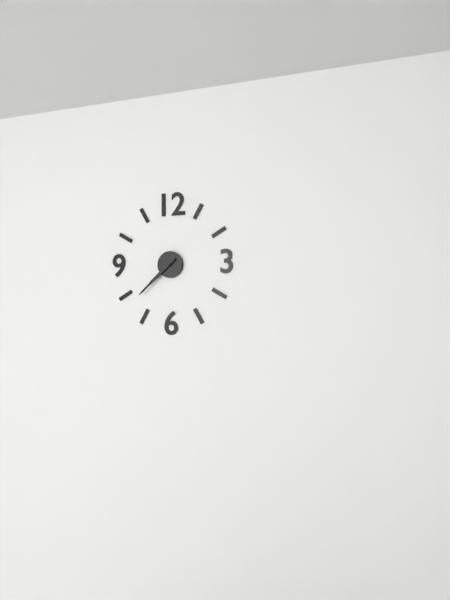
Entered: 7h38
